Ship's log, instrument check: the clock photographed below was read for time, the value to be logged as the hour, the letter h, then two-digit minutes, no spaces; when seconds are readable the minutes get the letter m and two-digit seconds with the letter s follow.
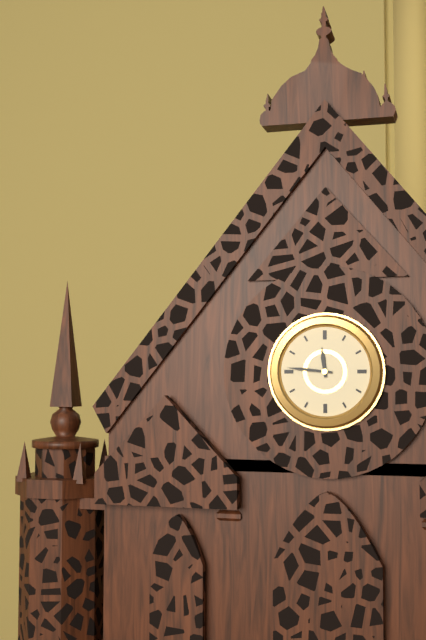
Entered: 11h46
